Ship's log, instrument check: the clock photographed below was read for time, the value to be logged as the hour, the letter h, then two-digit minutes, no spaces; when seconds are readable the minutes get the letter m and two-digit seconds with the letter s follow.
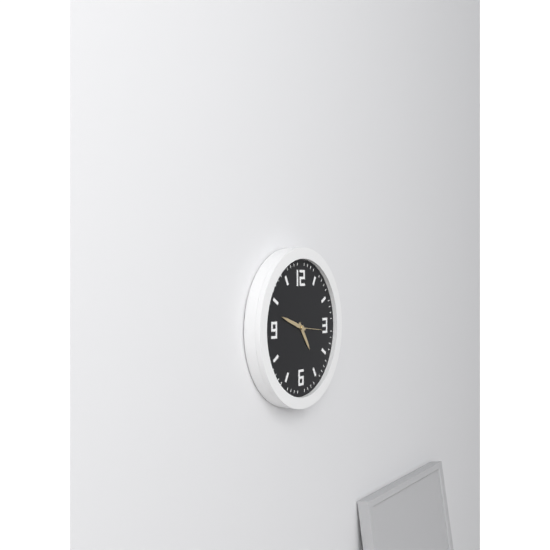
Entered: 4h48
